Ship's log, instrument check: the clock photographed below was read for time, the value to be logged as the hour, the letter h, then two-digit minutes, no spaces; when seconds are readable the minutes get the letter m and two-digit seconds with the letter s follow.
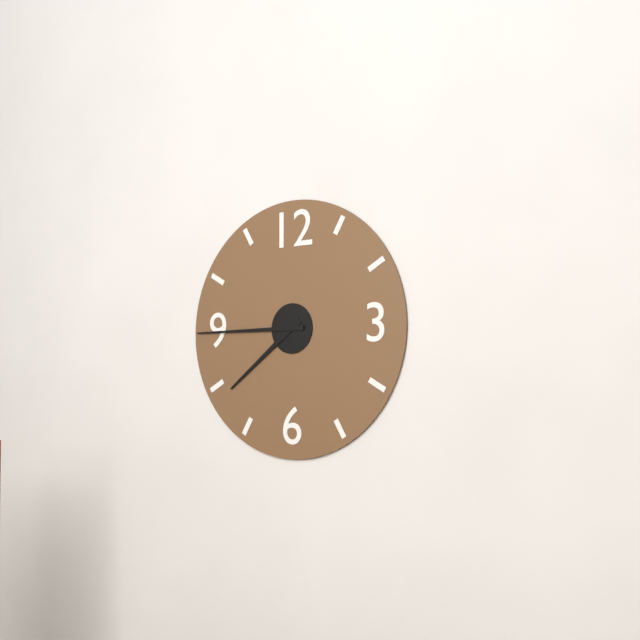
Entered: 7h45
